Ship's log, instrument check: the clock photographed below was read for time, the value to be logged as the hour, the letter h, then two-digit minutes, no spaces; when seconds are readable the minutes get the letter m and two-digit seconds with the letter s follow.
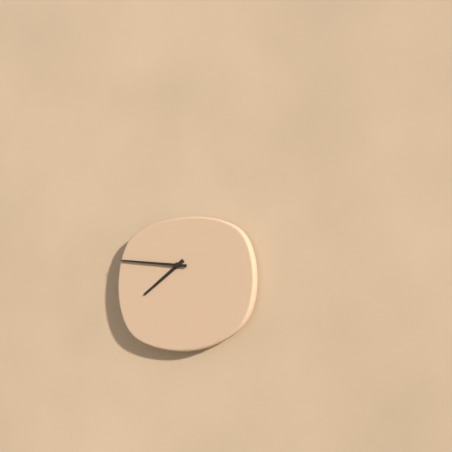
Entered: 7h46
